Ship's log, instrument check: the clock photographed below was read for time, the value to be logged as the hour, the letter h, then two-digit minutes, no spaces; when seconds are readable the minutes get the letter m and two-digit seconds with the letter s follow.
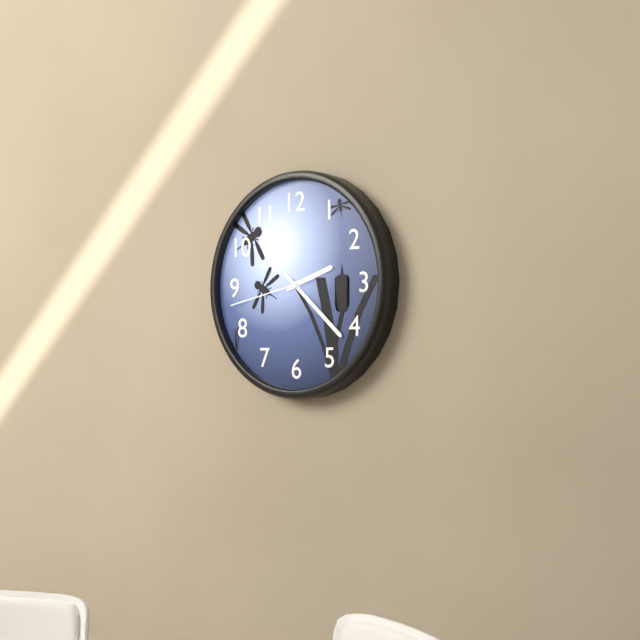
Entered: 2h22m43s
